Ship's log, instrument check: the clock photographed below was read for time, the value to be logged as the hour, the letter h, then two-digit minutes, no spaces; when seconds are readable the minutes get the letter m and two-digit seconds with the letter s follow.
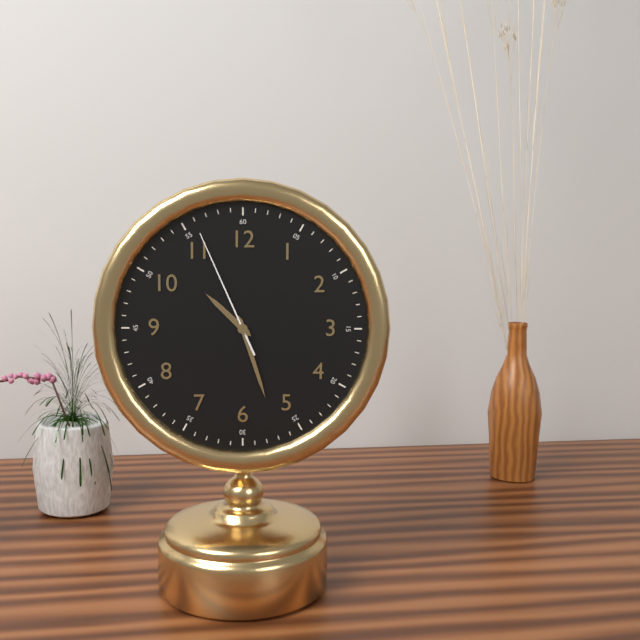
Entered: 10h27m56s
